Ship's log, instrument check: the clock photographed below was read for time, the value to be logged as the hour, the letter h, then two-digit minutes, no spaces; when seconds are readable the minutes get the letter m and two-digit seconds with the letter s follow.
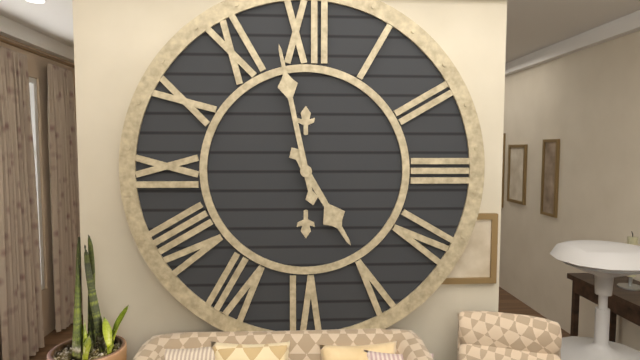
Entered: 4h58
